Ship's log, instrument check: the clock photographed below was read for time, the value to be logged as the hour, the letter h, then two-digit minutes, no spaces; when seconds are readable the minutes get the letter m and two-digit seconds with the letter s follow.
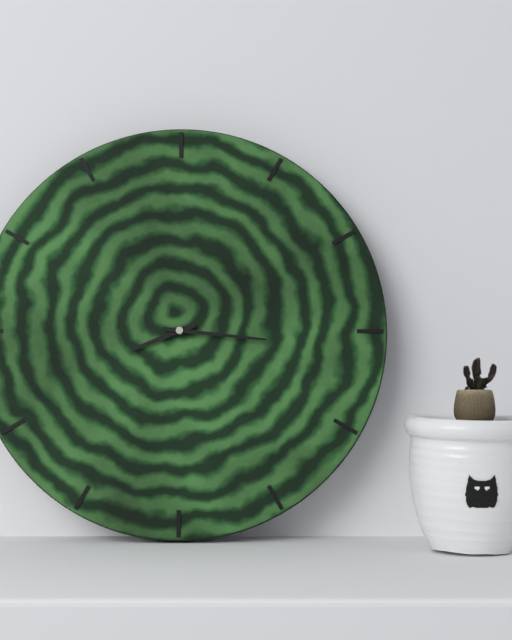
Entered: 8h16
